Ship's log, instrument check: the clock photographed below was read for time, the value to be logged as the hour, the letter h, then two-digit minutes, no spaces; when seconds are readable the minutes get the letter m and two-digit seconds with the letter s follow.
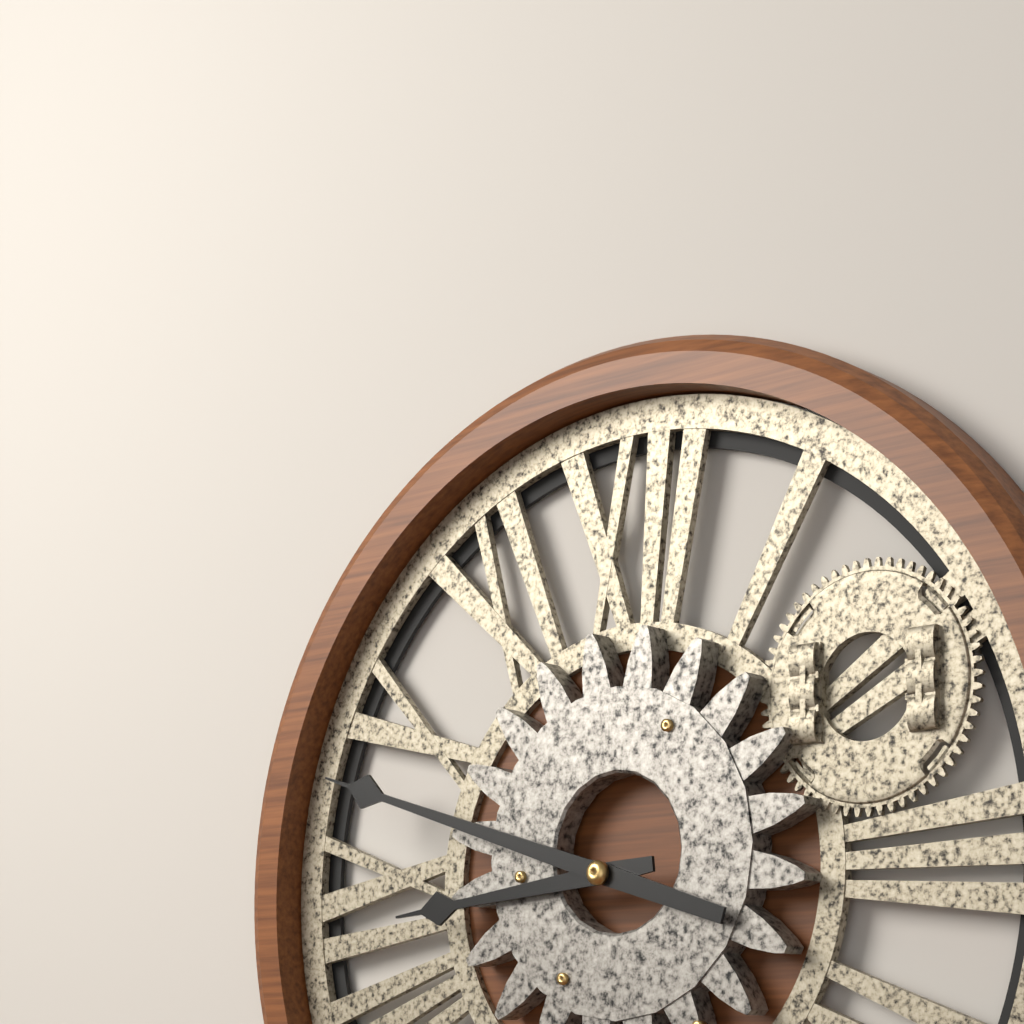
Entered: 8h48
